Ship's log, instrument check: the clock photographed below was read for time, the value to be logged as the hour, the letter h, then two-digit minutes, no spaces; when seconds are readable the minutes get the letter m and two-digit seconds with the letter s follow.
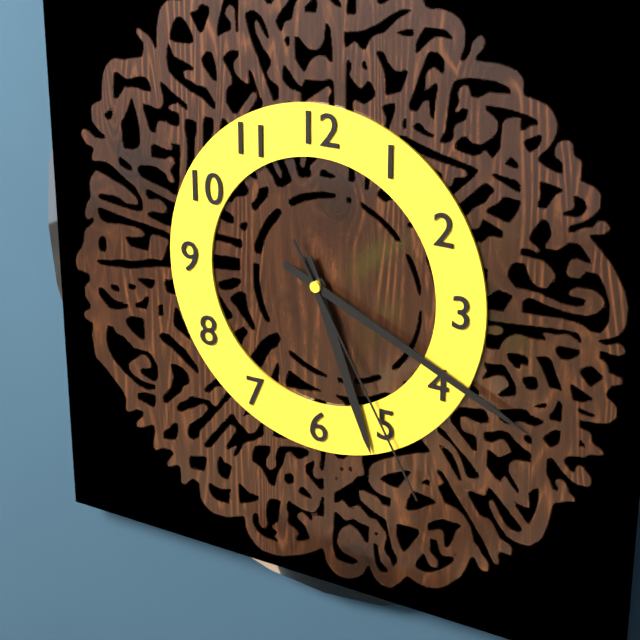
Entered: 5h19m25s
